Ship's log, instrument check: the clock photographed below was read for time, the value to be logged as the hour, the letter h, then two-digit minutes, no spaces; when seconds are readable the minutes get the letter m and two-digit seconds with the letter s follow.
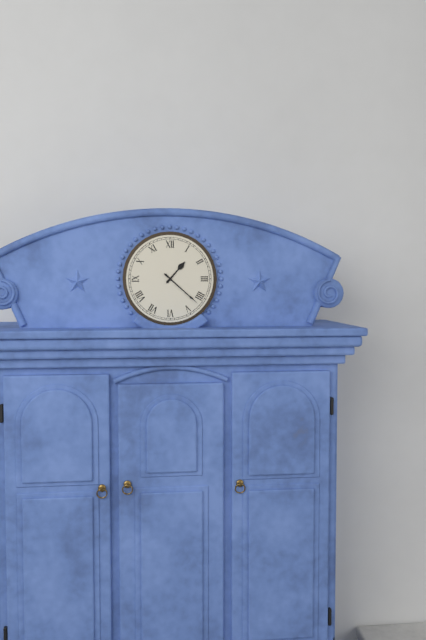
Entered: 1h22
